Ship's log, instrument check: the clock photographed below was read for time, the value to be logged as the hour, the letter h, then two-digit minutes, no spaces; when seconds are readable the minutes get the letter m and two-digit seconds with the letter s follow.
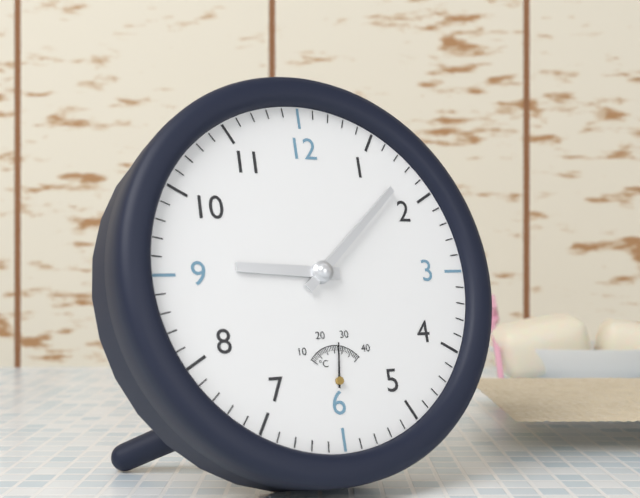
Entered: 9h08
